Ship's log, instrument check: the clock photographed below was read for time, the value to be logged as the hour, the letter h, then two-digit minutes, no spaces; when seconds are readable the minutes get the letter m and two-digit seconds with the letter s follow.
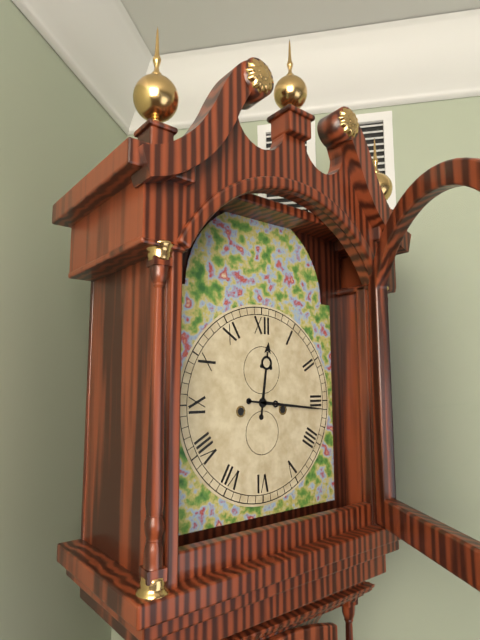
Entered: 12h16
